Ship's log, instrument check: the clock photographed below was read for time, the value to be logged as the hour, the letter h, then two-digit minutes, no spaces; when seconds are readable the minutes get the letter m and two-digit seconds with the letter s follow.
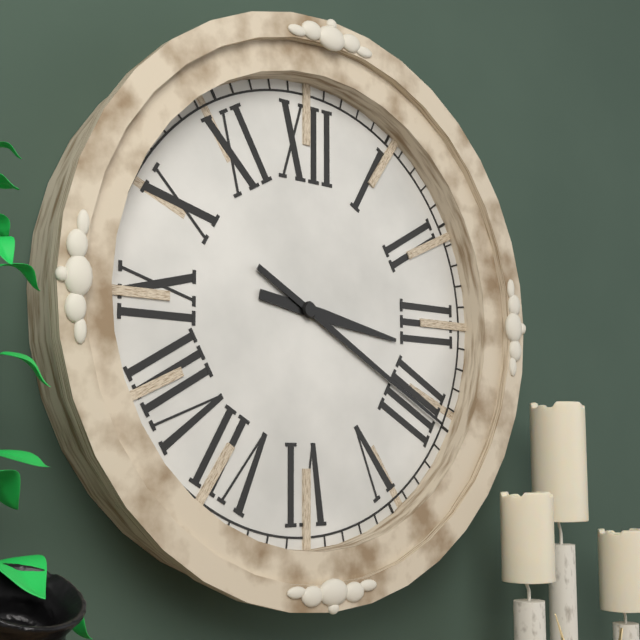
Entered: 3h20
